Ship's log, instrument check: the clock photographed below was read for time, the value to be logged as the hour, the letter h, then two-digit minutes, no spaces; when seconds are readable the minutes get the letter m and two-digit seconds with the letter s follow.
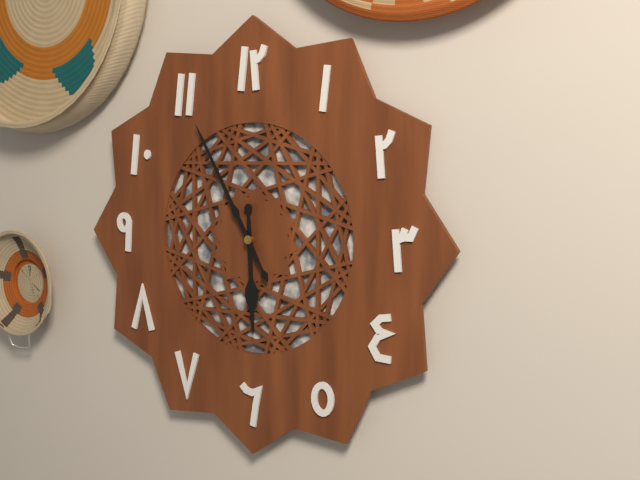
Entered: 5h55
